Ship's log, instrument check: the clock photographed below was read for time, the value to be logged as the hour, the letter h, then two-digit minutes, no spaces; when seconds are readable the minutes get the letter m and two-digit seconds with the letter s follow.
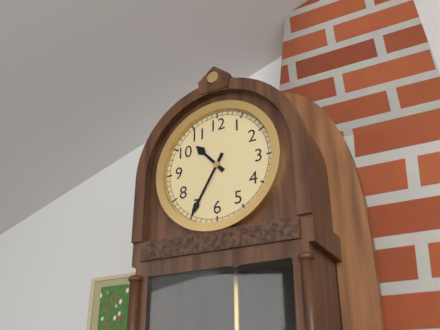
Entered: 10h35
